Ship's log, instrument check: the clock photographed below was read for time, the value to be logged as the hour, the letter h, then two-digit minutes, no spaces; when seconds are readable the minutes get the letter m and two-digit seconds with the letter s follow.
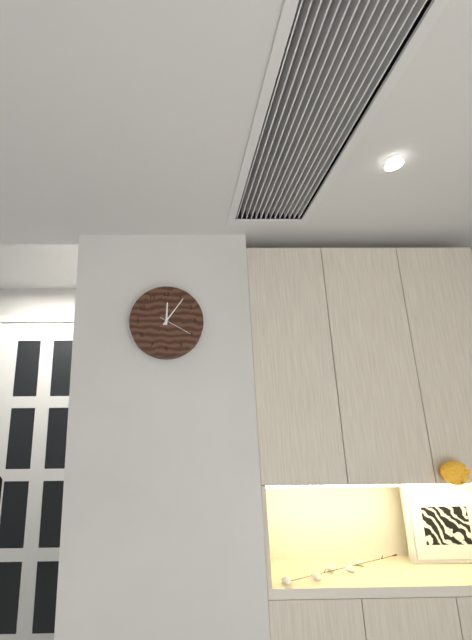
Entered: 12h06
